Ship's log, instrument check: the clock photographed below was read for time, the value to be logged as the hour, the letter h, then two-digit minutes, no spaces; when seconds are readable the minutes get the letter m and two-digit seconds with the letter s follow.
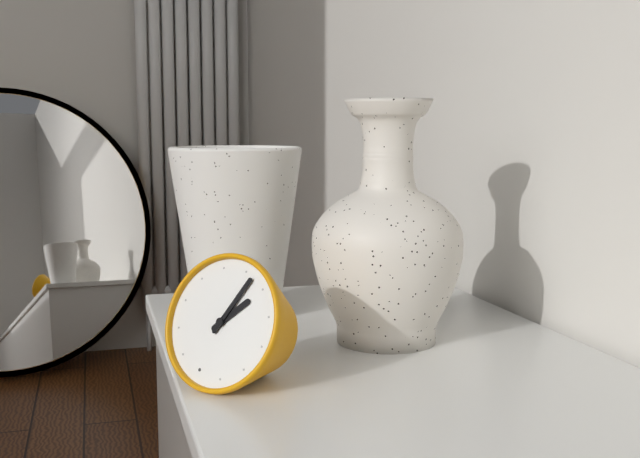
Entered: 1h02
